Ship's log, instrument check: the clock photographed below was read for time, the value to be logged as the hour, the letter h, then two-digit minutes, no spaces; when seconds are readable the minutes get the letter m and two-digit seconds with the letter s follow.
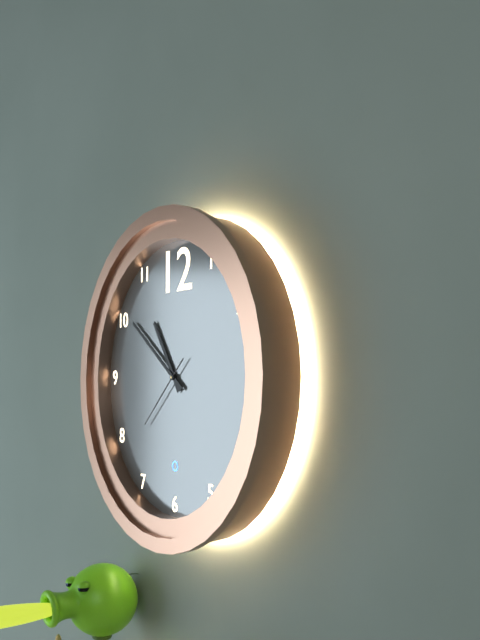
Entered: 10h51m38s
